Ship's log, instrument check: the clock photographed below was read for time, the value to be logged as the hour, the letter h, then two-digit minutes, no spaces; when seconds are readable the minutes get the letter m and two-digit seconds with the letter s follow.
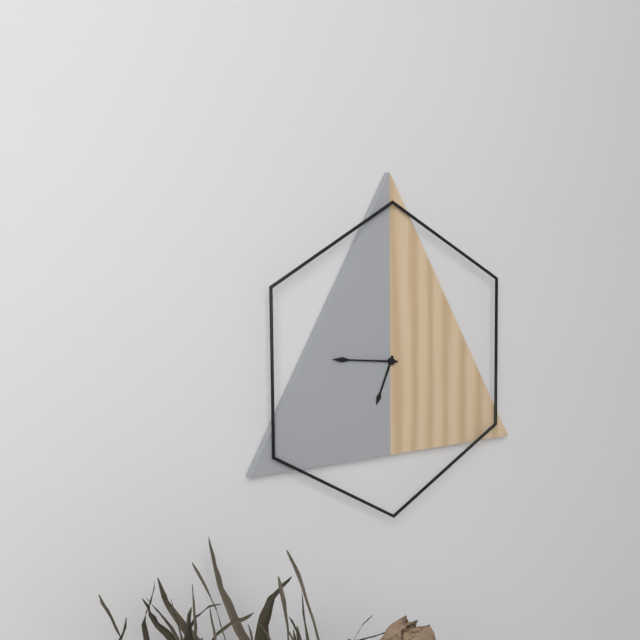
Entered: 6h46
